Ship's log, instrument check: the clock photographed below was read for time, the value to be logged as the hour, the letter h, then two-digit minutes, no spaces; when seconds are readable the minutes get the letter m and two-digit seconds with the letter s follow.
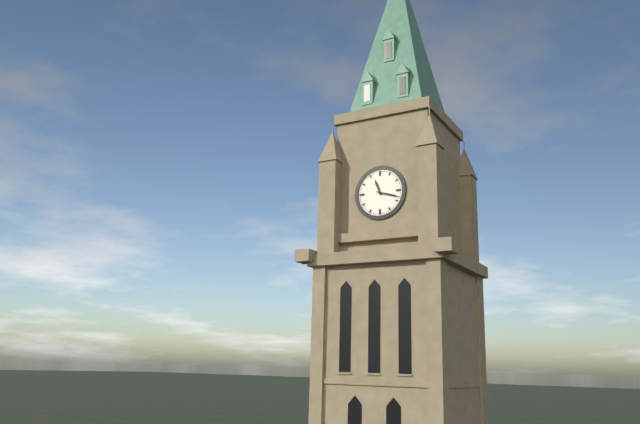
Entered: 11h18
